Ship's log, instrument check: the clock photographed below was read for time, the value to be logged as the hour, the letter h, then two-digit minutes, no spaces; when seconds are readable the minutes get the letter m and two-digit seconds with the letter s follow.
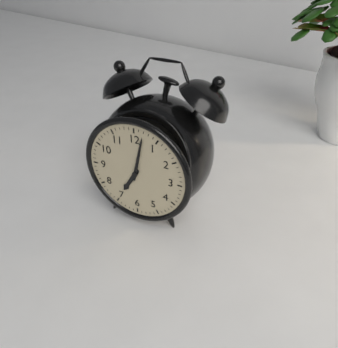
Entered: 7h02
